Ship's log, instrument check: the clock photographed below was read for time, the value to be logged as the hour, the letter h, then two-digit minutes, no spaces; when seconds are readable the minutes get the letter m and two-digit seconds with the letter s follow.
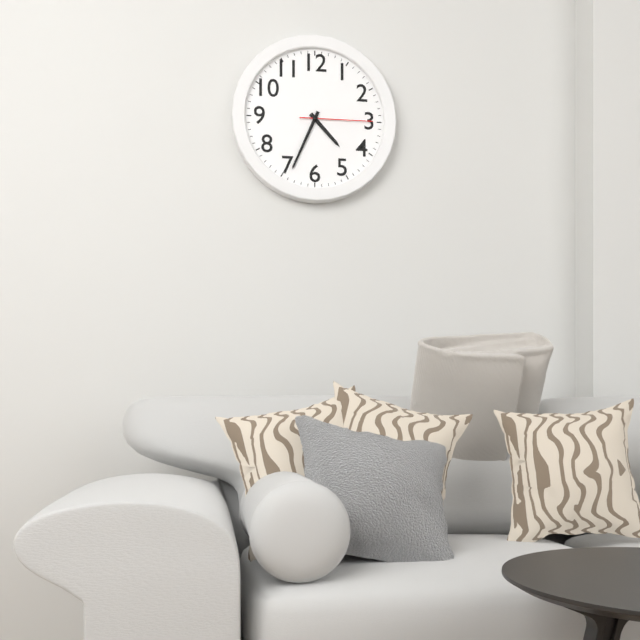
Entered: 4h34m15s
